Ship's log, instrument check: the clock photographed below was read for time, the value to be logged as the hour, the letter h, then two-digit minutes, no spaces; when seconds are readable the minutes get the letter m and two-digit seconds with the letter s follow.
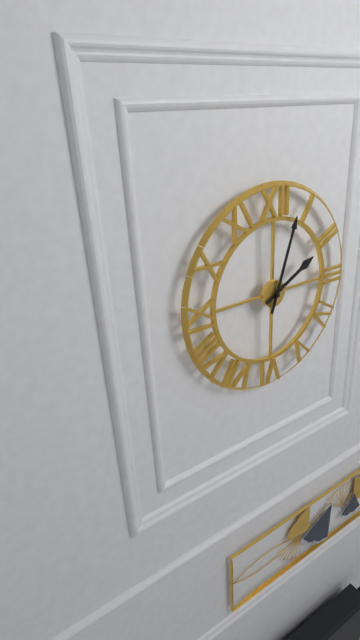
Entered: 2h03
